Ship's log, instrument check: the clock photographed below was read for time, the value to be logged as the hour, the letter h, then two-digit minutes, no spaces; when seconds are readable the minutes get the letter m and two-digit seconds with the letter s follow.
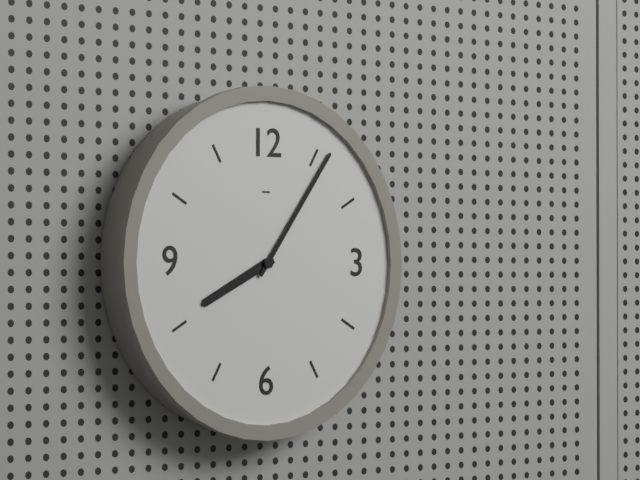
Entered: 8h06
